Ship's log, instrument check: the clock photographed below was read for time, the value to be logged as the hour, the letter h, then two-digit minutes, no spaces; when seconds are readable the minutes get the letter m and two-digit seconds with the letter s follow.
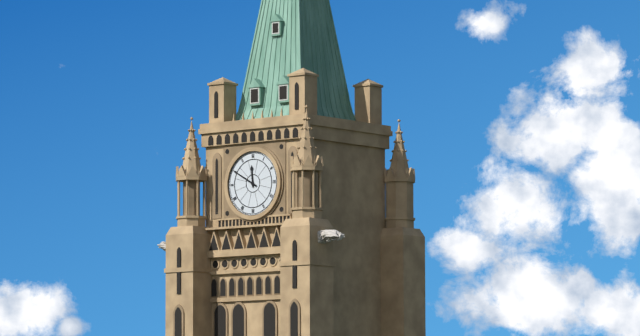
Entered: 11h50
